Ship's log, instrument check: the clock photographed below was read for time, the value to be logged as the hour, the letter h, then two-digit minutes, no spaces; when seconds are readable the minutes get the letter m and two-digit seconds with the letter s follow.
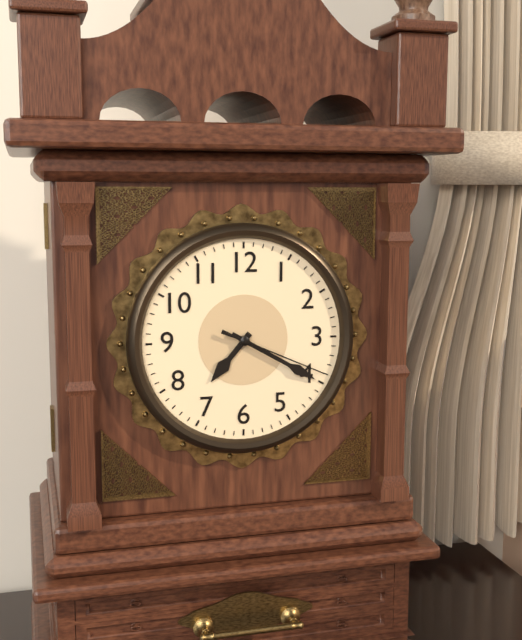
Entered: 7h20m19s
